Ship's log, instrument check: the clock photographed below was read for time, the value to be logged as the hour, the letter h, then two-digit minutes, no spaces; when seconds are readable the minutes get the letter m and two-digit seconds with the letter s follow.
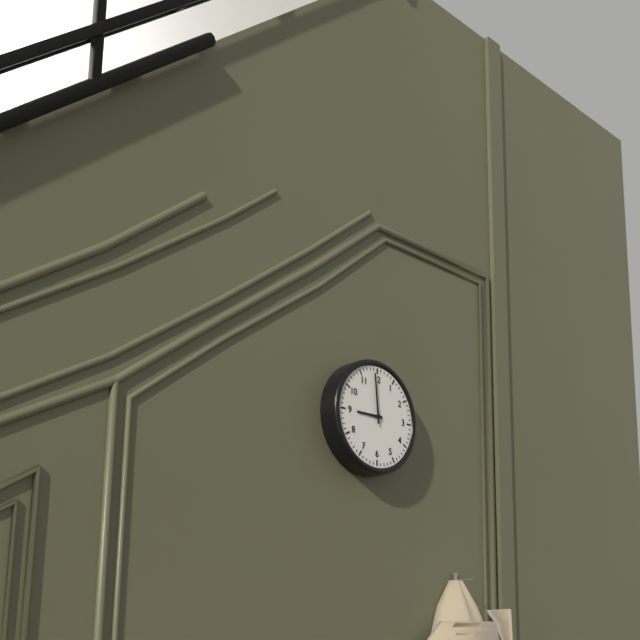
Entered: 8h59
